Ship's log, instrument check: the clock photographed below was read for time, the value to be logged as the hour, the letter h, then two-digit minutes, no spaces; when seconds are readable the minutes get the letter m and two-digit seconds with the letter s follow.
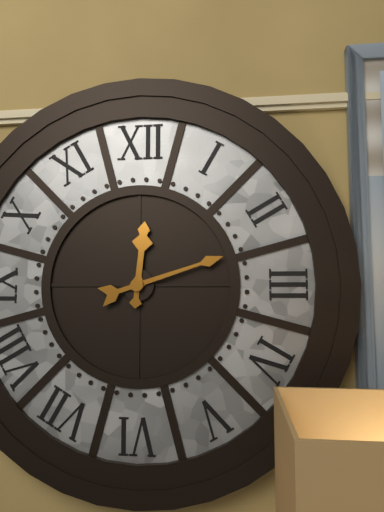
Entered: 12h12
